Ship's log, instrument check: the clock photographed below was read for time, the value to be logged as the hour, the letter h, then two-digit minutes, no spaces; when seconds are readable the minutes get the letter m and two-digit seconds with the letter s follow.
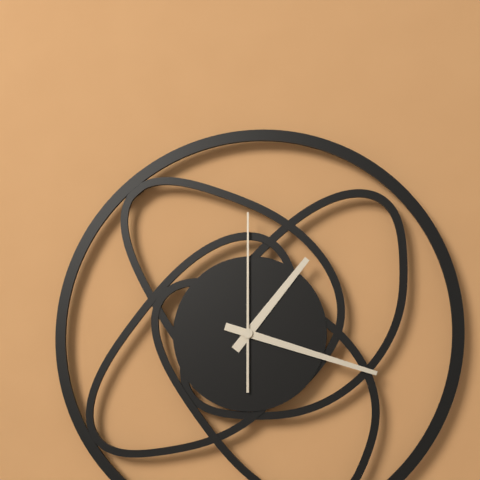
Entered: 1h18m00s
